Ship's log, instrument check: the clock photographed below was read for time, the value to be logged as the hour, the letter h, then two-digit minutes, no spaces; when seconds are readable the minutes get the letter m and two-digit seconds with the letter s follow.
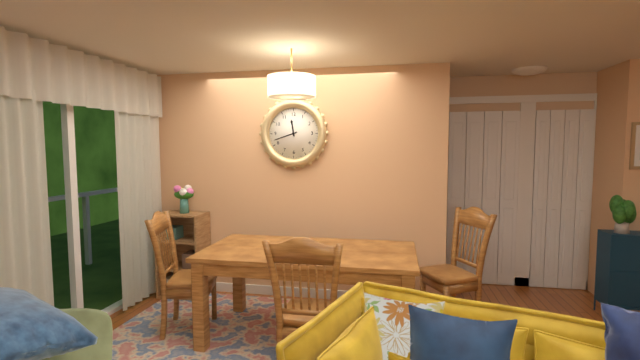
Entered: 11h42
